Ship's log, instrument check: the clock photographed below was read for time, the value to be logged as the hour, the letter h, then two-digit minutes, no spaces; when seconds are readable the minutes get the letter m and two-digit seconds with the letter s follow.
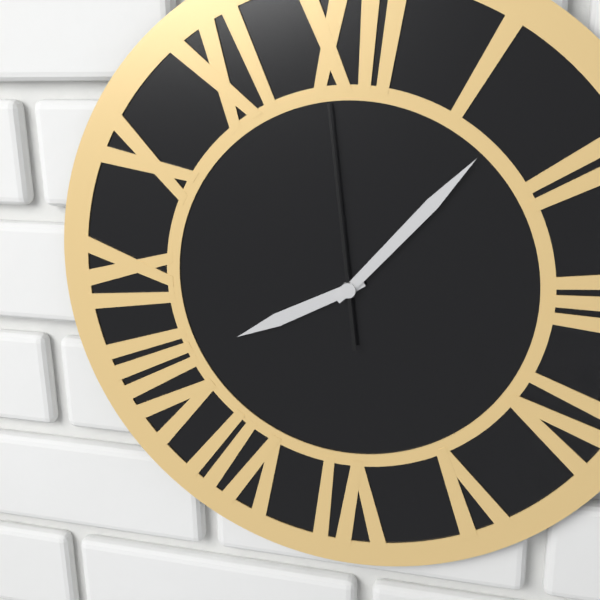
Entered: 8h07m59s
